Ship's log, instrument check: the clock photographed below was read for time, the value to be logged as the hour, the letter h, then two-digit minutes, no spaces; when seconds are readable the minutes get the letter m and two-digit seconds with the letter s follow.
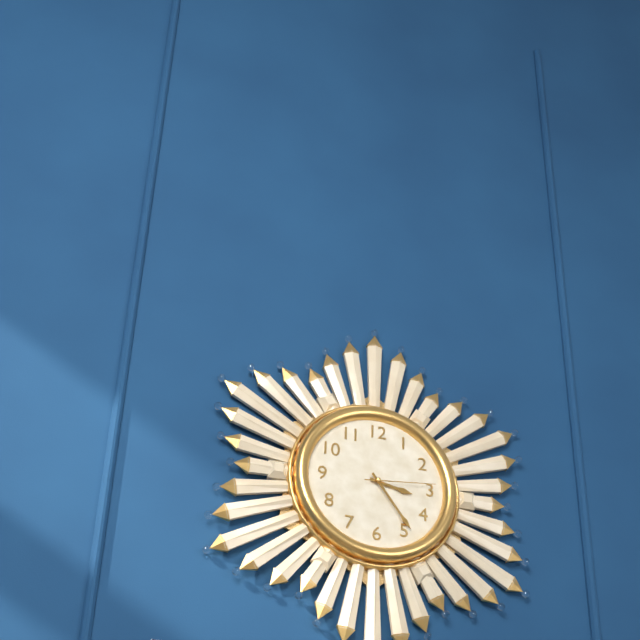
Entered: 3h24m14s
